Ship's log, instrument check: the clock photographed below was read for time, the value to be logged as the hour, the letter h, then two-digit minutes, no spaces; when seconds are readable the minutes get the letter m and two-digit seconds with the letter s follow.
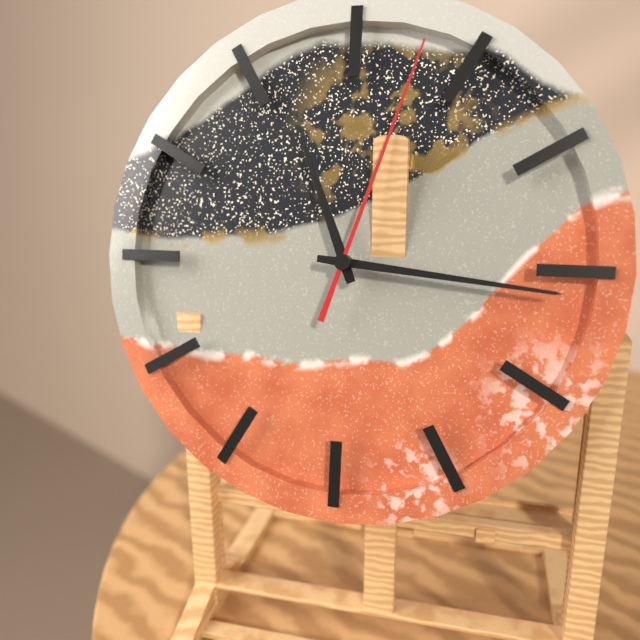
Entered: 11h16m03s
